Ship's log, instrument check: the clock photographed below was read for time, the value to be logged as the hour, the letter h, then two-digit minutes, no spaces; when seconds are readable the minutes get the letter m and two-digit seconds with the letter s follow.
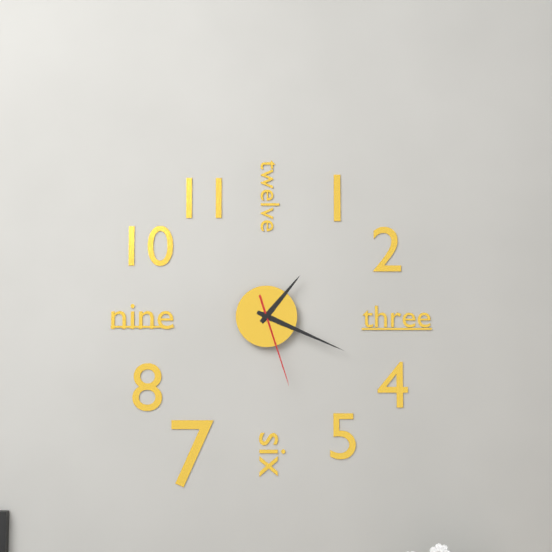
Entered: 1h19m27s
